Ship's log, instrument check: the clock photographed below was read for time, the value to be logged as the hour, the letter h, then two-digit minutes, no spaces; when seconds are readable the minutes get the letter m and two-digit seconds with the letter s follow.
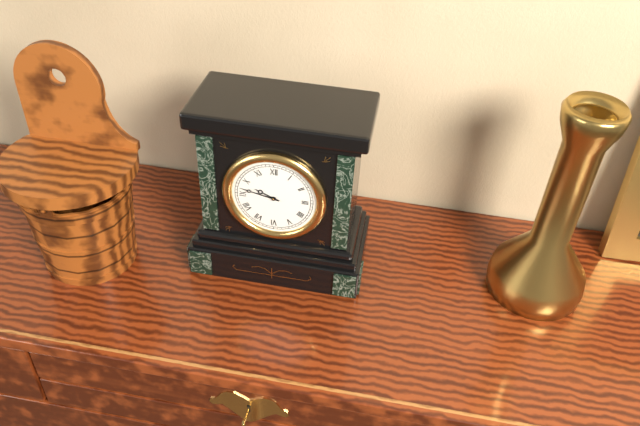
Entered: 9h47
